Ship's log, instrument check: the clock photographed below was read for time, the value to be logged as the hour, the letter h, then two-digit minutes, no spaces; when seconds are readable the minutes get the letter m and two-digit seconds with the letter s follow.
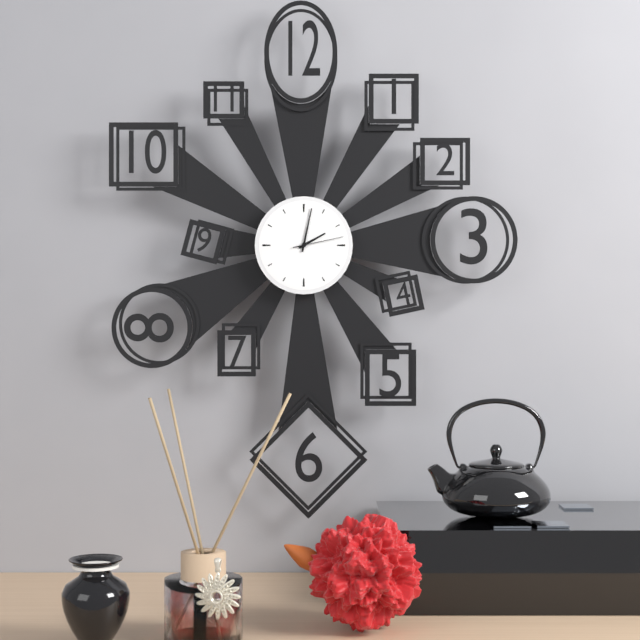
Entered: 2h02m13s
